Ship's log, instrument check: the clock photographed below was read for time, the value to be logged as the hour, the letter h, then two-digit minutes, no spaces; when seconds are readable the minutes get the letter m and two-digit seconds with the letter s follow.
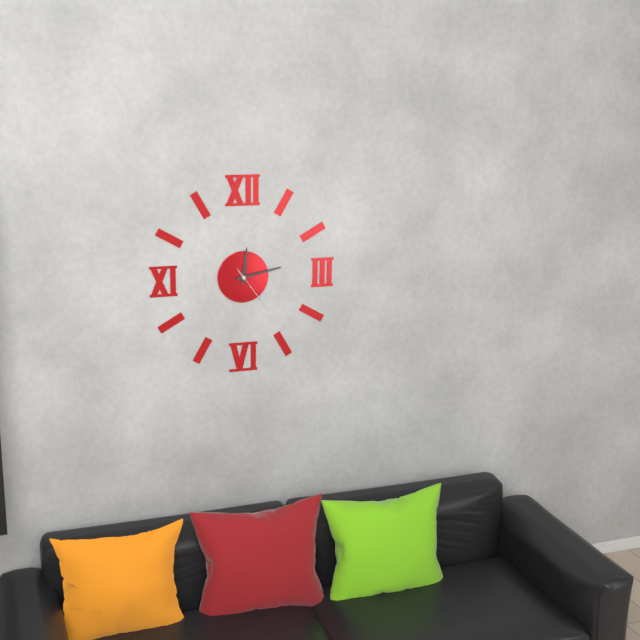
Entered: 12h13m24s
